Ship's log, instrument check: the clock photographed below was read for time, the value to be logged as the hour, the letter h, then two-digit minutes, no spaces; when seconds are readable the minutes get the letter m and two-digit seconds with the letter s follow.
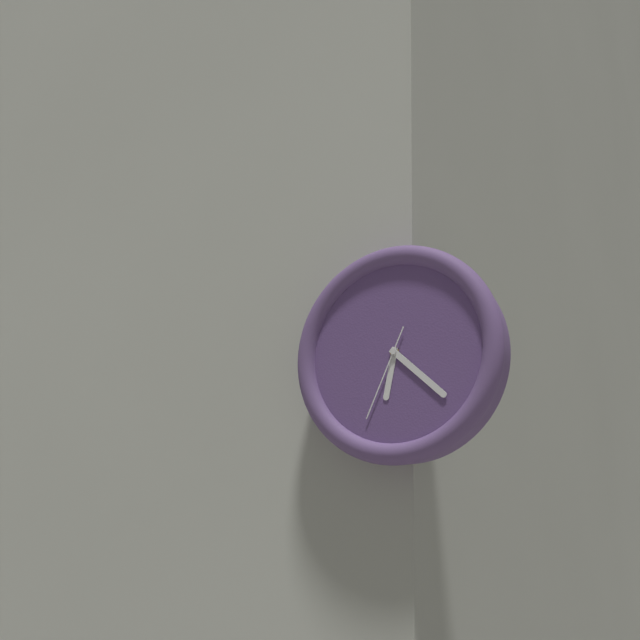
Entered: 6h22m34s
